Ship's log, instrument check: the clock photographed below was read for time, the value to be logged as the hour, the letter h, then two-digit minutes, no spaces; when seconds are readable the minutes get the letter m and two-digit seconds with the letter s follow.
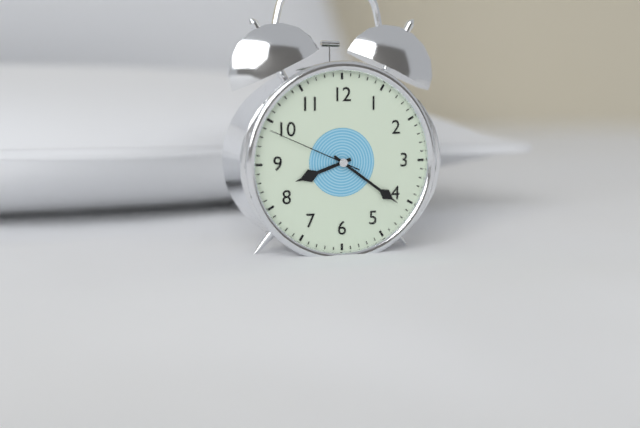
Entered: 8h21m49s
